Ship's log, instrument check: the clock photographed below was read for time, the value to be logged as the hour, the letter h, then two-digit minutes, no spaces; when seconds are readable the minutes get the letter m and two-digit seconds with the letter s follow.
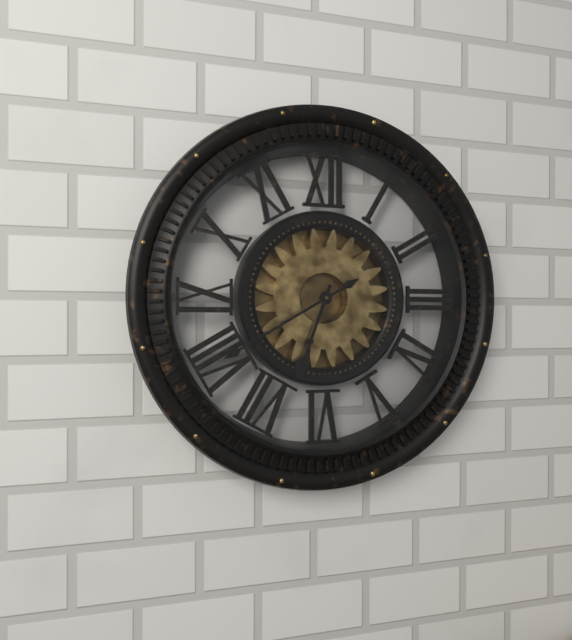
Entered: 6h40
